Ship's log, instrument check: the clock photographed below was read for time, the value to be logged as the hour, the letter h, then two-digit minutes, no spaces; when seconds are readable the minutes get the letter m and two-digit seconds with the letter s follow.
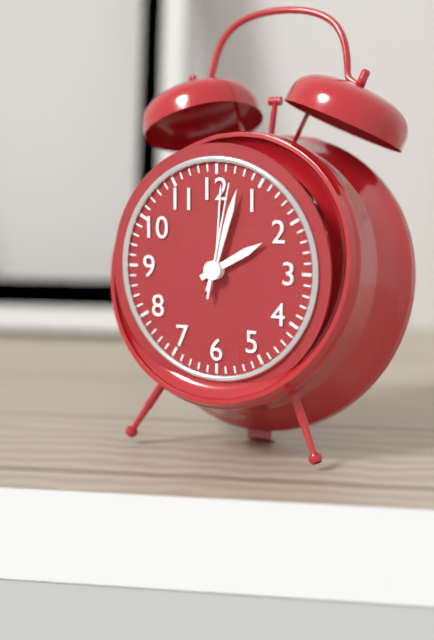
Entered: 2h03m02s
